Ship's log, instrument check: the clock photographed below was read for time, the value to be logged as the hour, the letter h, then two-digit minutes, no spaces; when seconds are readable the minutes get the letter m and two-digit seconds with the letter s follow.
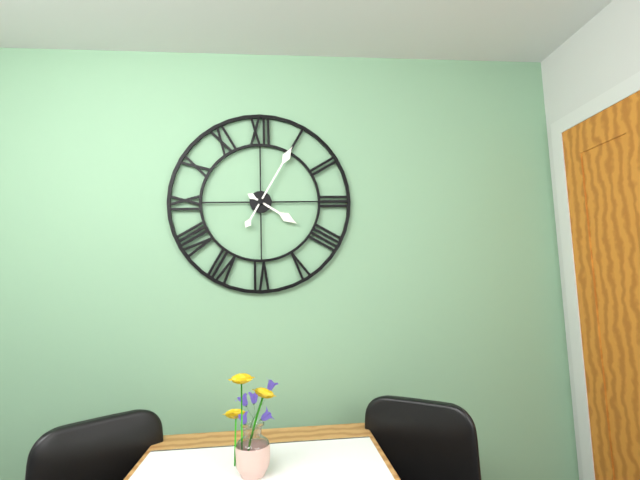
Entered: 4h05
